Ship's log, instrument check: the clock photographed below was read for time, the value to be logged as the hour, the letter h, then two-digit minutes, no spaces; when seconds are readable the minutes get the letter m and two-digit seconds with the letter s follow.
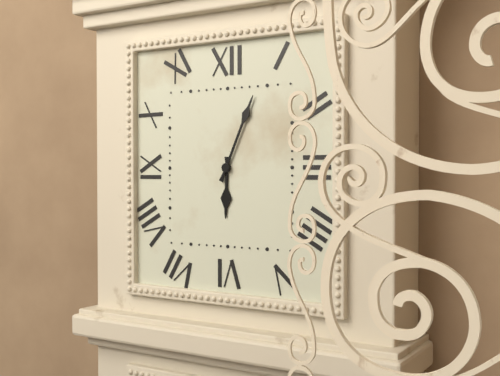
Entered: 6h04
